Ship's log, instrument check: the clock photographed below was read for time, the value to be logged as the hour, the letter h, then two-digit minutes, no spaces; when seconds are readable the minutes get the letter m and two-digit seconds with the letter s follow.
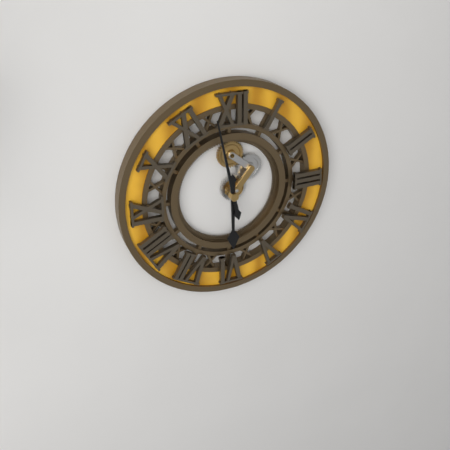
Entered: 5h58
